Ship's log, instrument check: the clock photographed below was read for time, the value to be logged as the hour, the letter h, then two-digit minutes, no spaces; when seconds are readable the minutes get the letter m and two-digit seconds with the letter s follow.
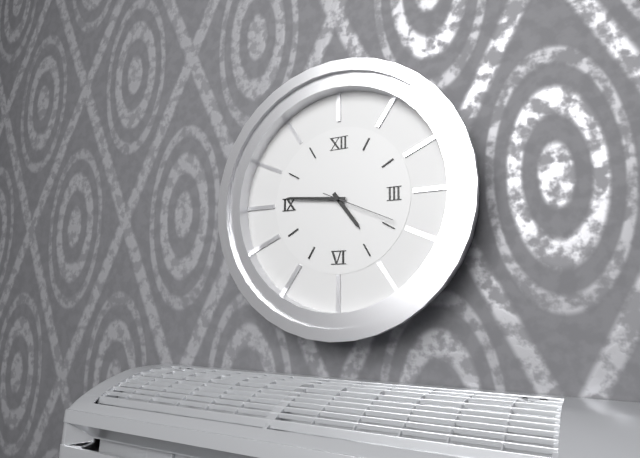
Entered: 4h46m19s
